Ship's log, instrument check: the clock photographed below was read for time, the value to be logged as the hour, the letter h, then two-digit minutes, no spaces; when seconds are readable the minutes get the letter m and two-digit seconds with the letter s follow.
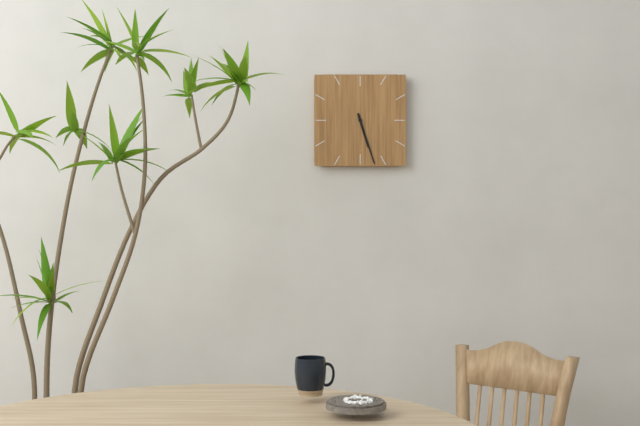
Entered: 5h27
